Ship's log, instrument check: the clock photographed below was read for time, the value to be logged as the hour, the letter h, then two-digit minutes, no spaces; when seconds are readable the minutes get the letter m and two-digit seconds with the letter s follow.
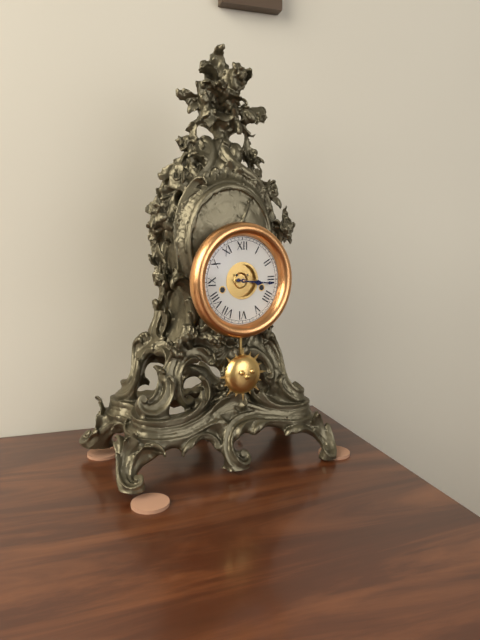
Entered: 3h16
